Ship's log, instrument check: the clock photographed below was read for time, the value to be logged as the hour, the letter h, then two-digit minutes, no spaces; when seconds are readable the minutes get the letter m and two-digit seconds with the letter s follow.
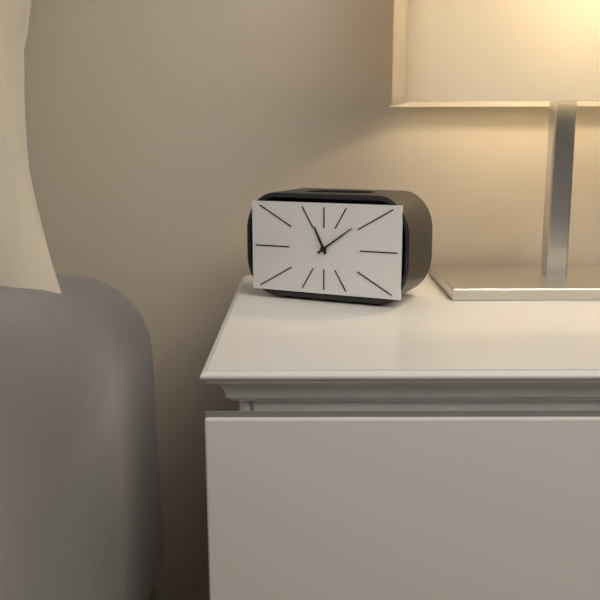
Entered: 11h09
